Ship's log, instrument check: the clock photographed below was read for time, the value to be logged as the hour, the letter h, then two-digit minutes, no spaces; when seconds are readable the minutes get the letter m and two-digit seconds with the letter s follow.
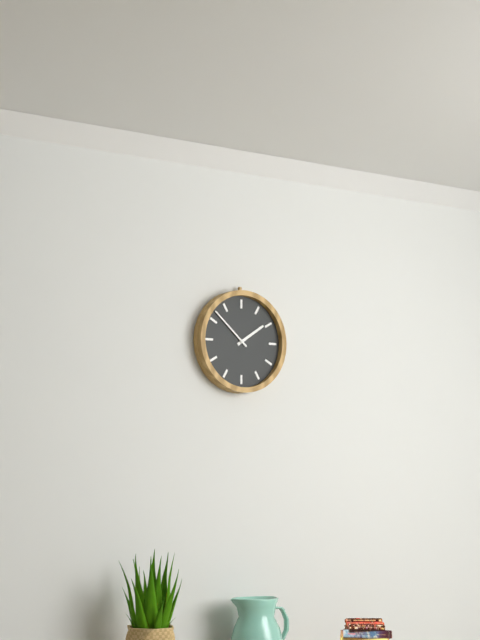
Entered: 1h52
